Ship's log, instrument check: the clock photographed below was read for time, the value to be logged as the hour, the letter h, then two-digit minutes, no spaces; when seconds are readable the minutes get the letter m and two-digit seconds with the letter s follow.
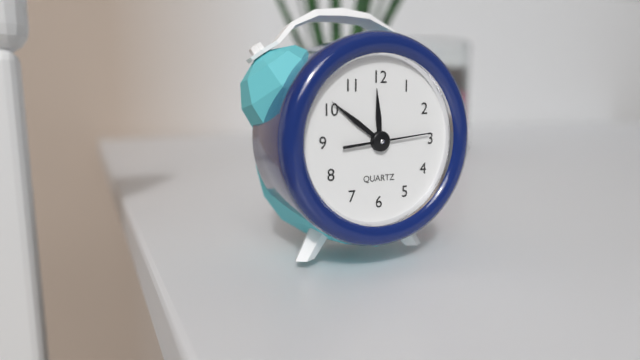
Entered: 11h51m14s
